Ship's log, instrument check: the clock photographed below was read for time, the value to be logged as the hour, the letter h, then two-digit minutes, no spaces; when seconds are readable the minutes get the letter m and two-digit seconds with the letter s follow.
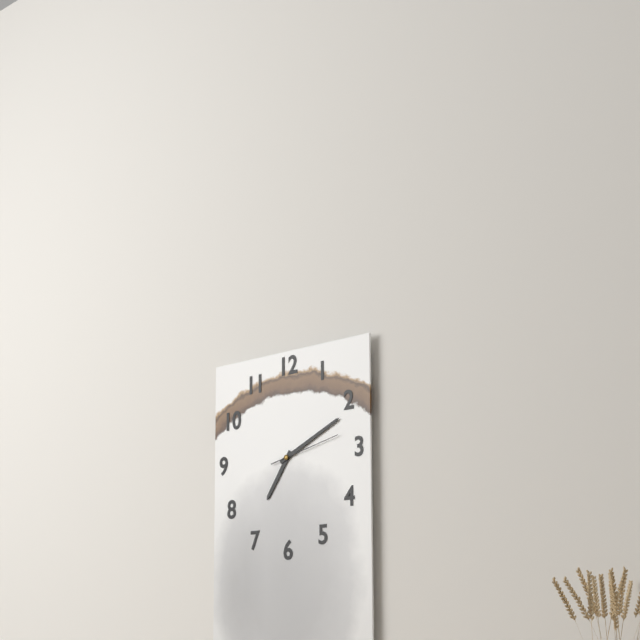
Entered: 7h11m13s
